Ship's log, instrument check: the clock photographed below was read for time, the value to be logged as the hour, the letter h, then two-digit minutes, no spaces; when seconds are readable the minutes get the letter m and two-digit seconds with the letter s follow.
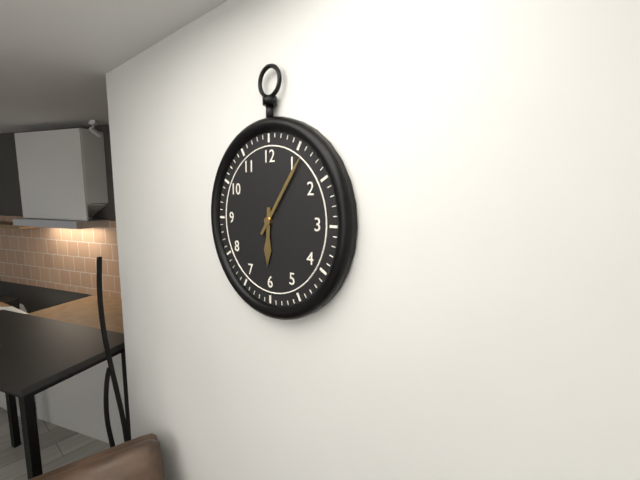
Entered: 6h06
